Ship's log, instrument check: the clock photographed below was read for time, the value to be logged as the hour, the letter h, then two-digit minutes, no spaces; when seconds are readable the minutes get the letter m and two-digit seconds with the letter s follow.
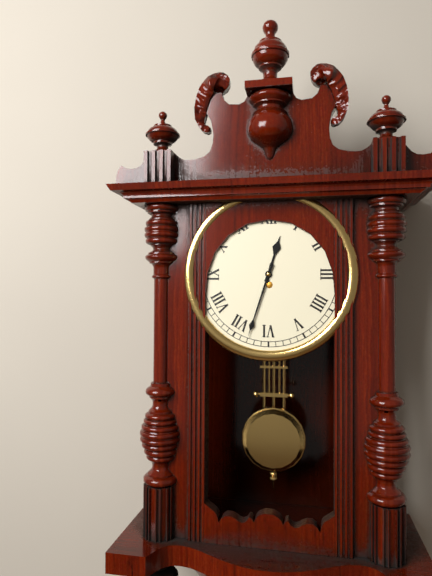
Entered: 12h33
